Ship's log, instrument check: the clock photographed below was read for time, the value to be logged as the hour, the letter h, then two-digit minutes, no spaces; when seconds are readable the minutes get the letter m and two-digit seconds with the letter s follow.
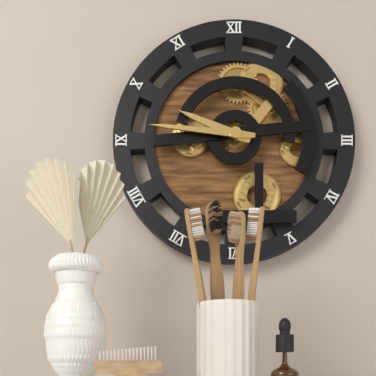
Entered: 9h46
